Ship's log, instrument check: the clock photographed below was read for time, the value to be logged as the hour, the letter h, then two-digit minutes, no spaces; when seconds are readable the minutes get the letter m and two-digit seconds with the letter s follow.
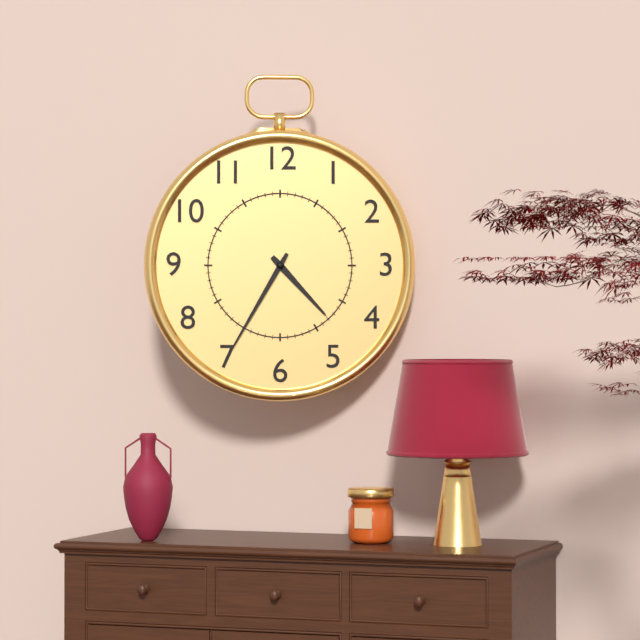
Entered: 4h35
